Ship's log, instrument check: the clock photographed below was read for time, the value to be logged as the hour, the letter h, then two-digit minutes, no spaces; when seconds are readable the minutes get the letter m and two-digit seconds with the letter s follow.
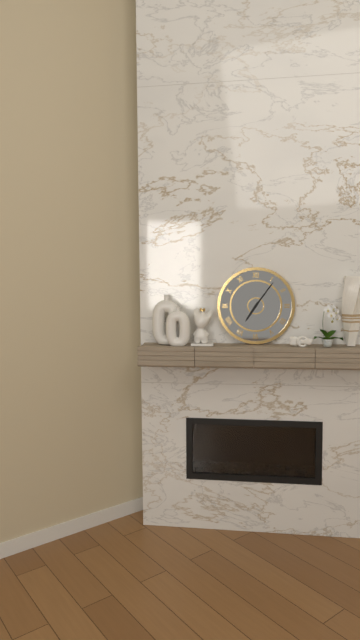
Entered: 7h06
